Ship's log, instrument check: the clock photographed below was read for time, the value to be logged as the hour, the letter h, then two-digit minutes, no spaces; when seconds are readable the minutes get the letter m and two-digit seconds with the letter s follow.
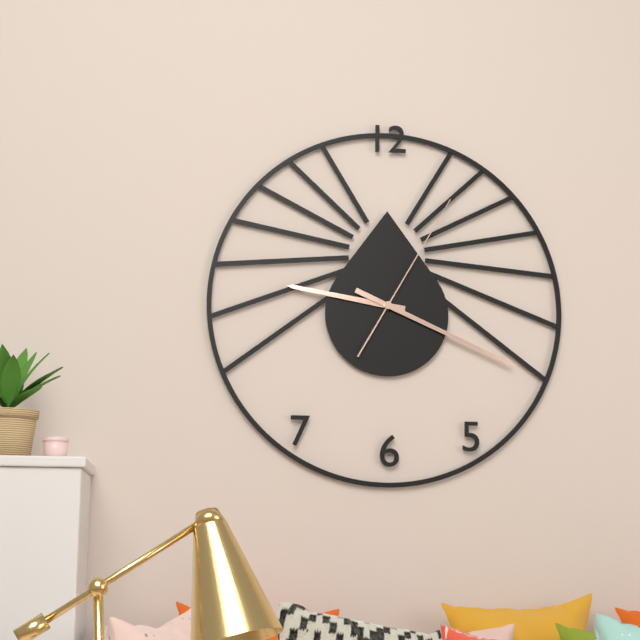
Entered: 9h19m05s
